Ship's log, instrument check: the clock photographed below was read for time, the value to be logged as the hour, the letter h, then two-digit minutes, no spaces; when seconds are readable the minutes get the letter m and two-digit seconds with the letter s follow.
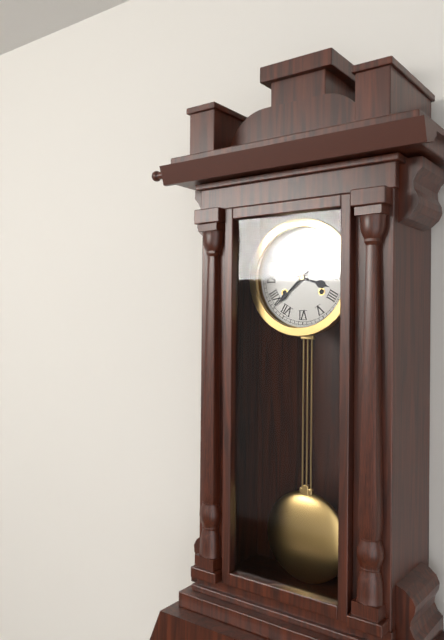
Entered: 3h38
